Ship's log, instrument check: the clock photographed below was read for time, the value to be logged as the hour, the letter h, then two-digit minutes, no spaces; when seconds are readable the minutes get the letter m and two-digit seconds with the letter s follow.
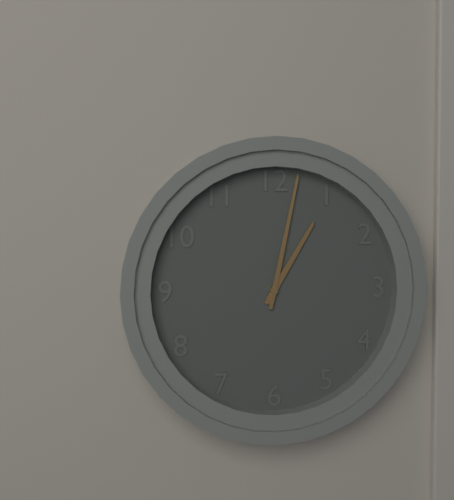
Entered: 1h02
